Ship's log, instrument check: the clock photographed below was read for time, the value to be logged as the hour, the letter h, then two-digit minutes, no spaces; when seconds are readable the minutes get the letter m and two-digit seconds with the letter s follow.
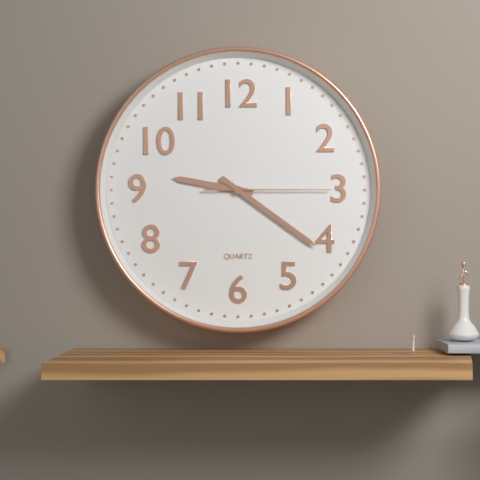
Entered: 9h21m15s
